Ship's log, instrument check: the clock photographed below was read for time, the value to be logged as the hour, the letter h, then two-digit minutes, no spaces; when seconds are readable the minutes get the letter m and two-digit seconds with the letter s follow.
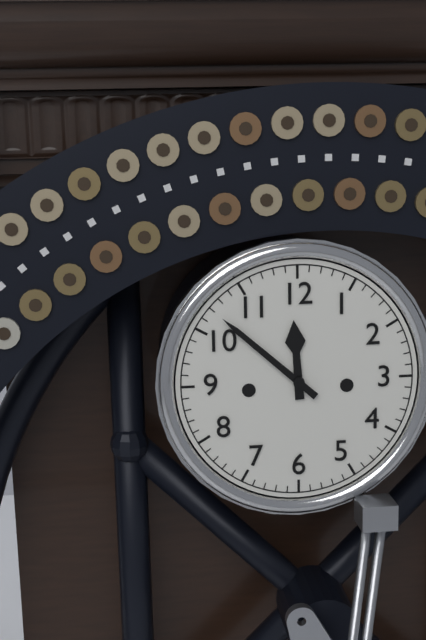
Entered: 11h52
